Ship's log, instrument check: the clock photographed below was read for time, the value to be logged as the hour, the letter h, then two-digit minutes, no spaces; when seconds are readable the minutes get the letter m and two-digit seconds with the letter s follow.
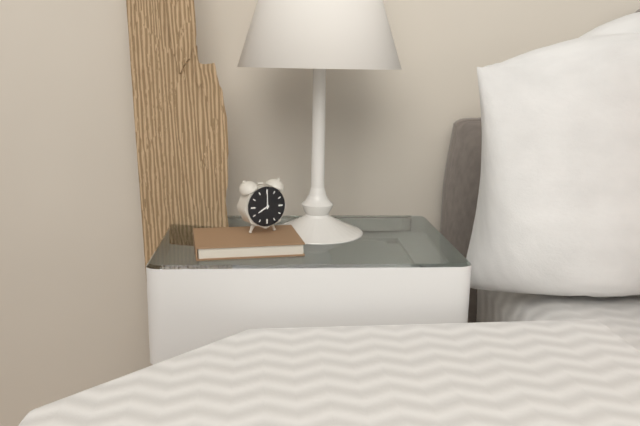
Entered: 8h00
